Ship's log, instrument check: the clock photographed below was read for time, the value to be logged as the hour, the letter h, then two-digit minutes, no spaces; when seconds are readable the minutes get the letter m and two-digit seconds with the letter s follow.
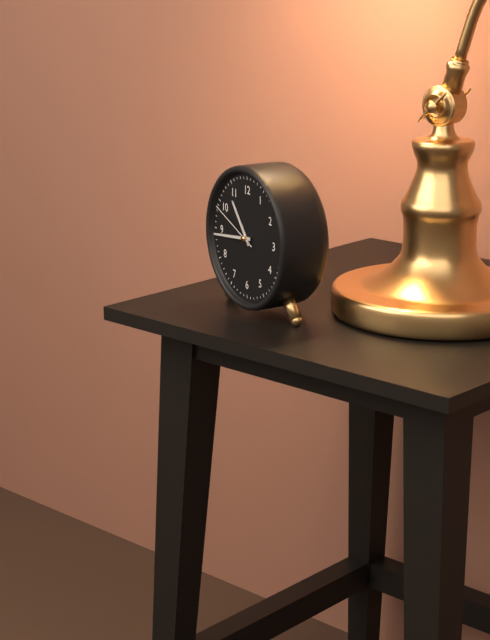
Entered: 10h44m49s
